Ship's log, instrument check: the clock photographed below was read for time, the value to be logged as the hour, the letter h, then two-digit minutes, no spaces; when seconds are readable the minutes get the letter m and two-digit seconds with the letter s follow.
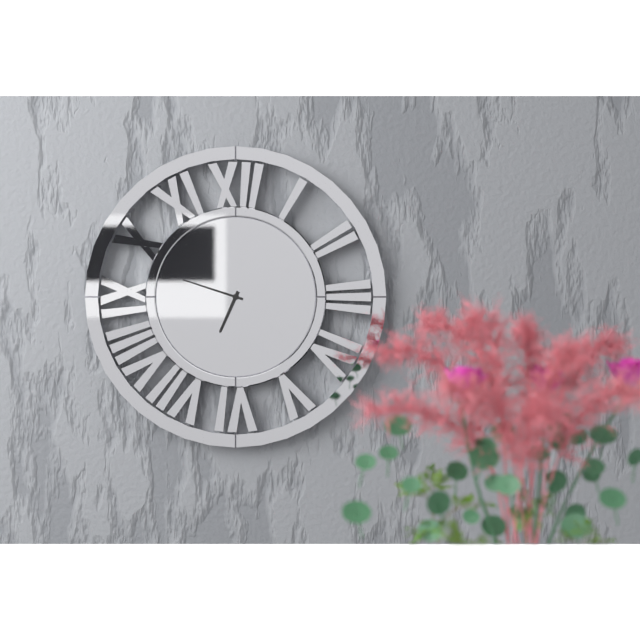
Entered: 6h48
